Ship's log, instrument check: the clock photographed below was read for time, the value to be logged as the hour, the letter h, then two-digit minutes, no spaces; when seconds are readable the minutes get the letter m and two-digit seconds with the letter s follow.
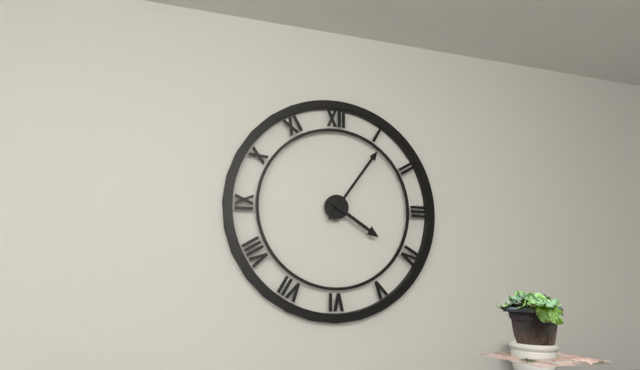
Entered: 4h06
